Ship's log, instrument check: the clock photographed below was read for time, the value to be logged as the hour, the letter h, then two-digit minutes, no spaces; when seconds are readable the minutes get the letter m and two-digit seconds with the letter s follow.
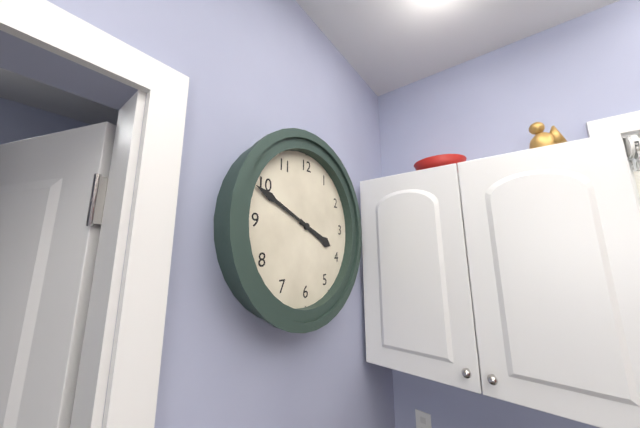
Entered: 3h49
